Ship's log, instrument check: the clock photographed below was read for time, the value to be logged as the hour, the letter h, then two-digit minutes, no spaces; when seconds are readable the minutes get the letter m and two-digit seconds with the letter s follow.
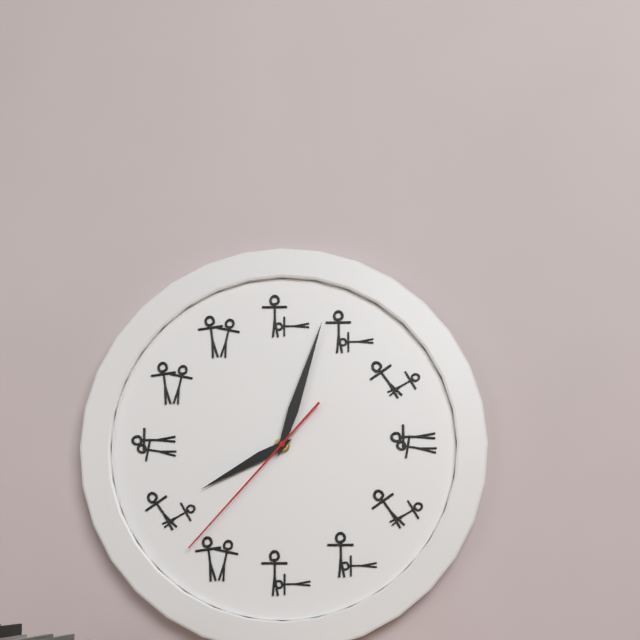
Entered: 8h03m37s
